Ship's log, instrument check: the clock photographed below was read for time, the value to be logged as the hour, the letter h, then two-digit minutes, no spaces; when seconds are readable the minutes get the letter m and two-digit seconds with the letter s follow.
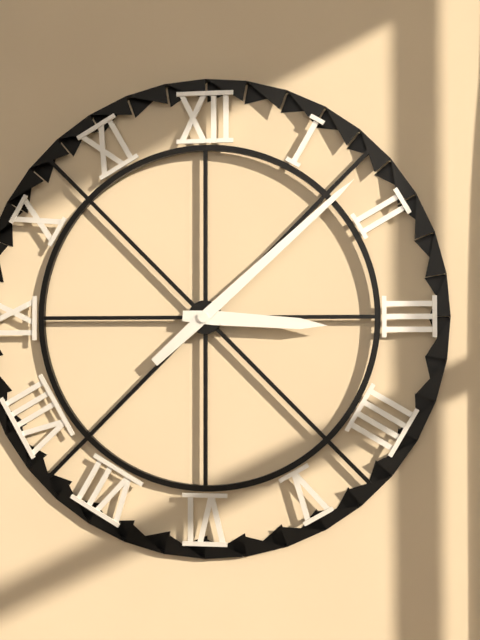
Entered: 3h08
